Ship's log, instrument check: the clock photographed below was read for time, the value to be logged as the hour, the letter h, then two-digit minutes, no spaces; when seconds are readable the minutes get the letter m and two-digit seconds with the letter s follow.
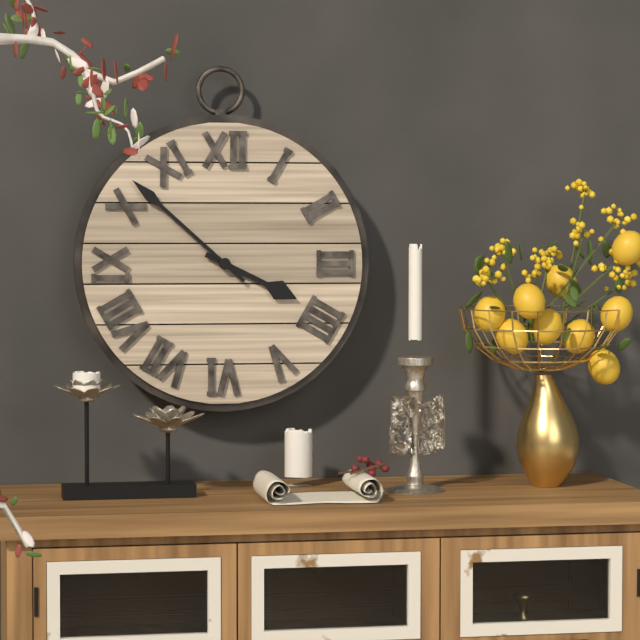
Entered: 3h52
